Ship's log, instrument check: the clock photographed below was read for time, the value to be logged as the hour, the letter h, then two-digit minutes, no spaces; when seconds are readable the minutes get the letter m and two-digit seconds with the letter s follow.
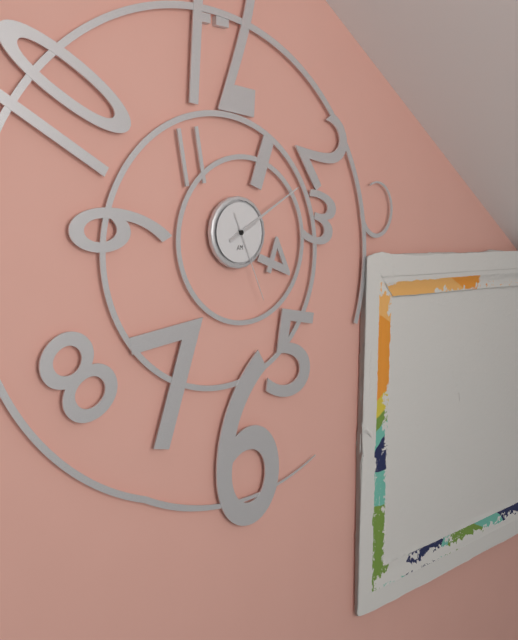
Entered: 2h10m26s
